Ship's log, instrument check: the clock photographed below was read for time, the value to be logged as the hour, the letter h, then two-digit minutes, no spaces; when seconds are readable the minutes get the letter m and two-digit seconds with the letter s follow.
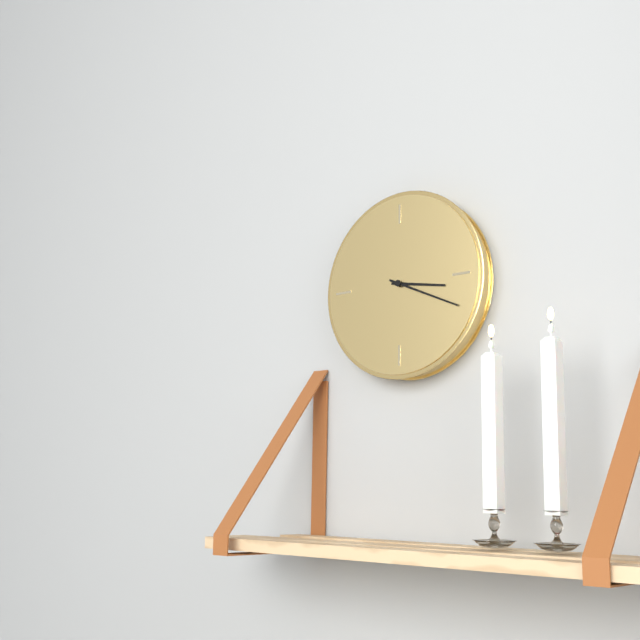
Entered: 3h19
